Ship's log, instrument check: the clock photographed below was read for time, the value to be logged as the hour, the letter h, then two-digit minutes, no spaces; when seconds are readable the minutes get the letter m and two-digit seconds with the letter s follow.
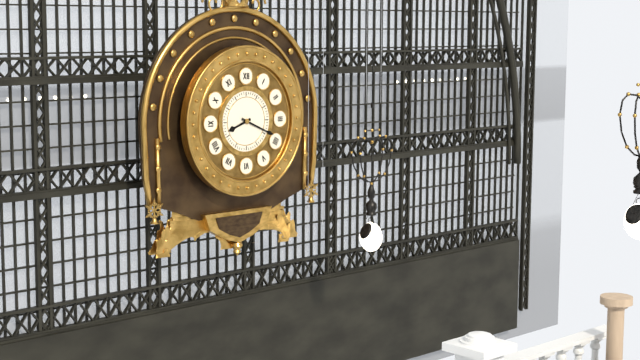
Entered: 8h19
